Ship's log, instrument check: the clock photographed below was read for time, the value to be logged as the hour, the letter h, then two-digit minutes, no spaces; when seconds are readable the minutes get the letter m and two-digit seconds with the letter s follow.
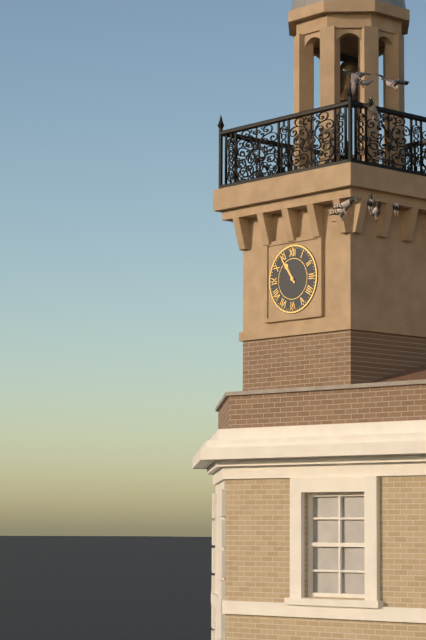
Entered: 10h54
